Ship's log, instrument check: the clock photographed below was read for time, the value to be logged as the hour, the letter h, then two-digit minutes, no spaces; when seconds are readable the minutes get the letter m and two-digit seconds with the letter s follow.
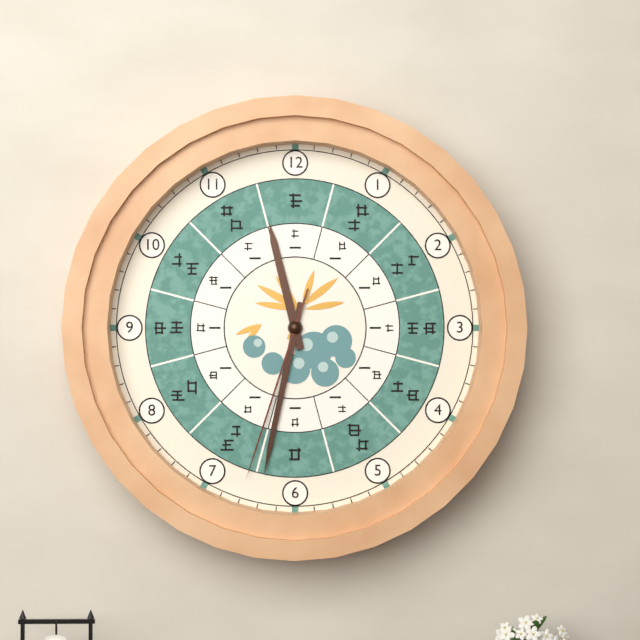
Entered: 11h32m33s
